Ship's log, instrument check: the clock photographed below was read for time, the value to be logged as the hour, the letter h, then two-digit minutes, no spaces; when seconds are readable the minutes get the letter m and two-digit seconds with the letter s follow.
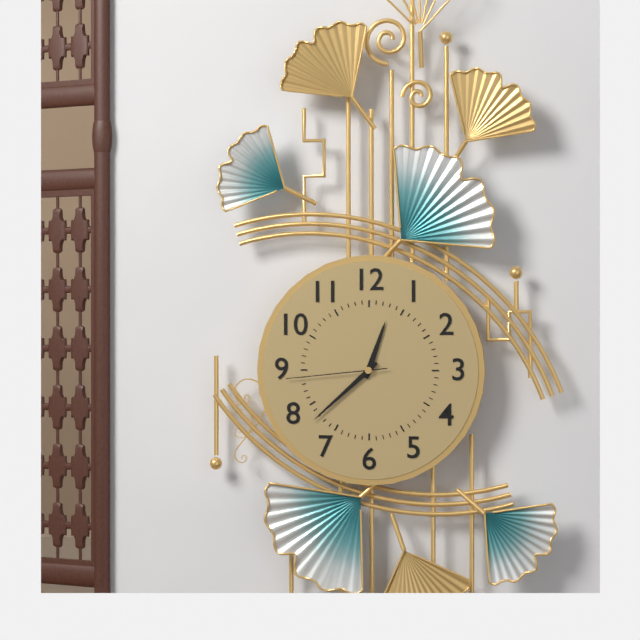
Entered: 12h38m44s
